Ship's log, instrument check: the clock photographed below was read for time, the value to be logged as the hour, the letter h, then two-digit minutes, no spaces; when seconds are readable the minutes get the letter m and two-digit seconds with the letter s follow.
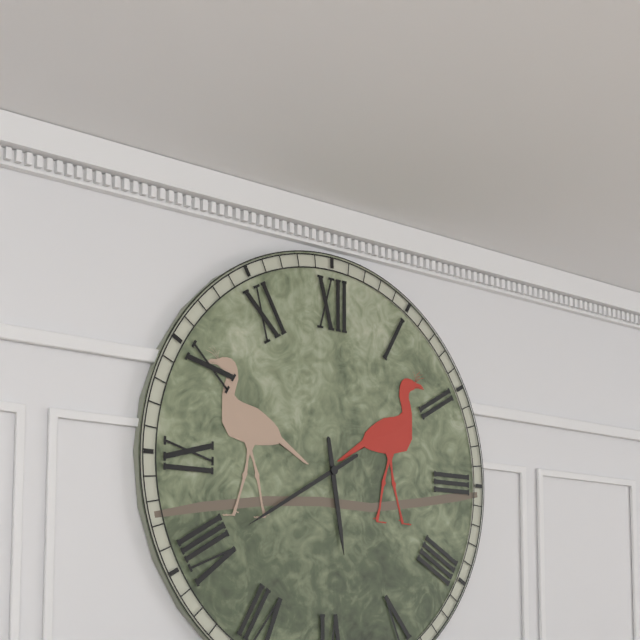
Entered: 5h40
